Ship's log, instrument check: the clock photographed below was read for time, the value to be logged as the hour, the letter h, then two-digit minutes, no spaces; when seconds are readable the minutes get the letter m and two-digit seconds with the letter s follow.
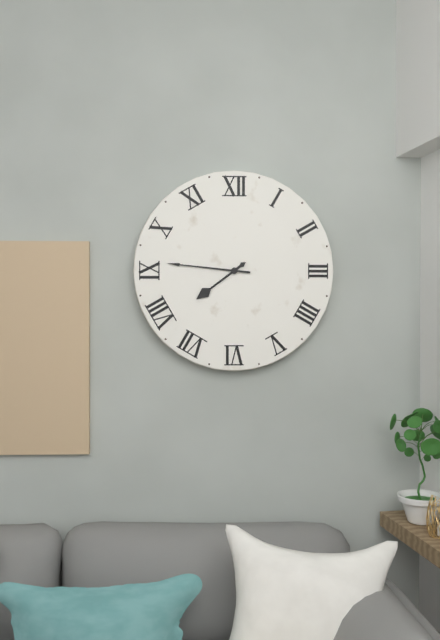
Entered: 7h46
